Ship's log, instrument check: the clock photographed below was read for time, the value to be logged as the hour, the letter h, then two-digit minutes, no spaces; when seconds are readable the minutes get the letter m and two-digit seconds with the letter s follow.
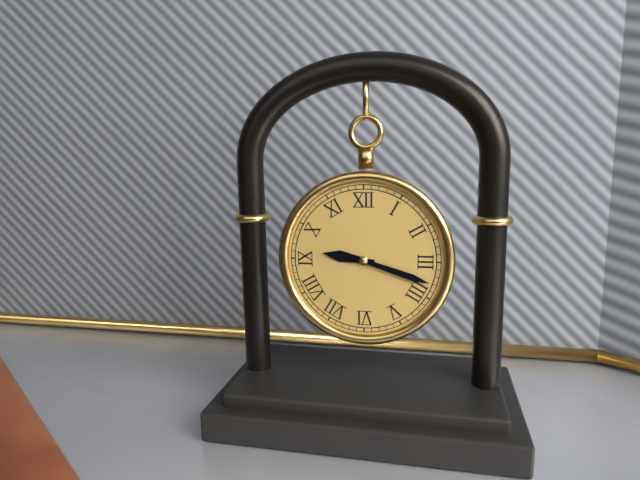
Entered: 9h18
